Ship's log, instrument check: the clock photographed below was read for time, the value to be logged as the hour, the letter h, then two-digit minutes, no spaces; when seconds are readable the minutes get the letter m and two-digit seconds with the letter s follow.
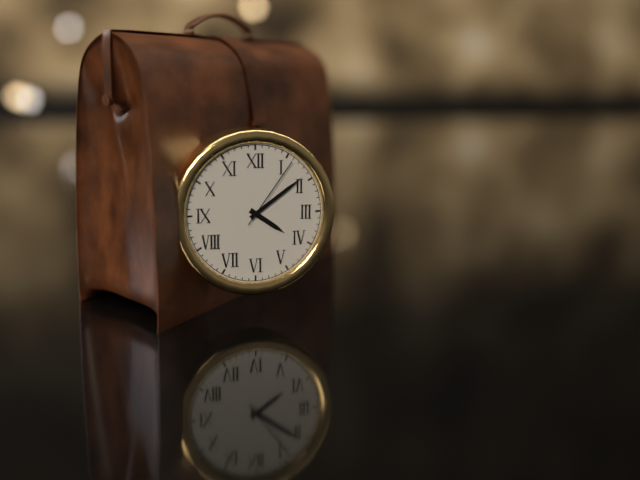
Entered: 4h09m06s
